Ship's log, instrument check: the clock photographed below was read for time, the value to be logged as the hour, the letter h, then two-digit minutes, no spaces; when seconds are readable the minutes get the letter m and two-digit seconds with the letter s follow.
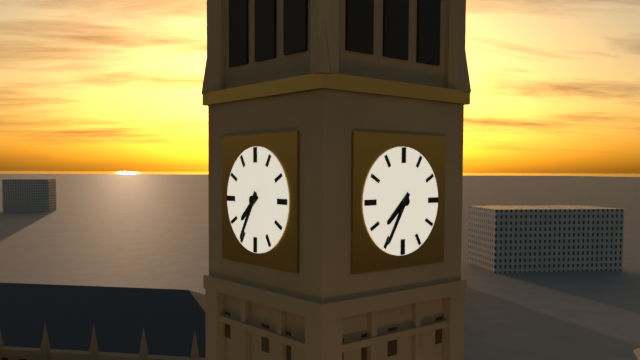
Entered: 7h35
